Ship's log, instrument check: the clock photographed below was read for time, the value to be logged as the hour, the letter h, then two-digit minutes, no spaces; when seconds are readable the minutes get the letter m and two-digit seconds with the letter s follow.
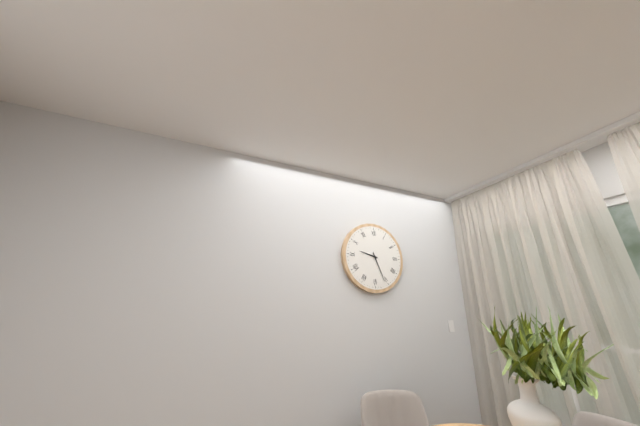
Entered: 9h26
